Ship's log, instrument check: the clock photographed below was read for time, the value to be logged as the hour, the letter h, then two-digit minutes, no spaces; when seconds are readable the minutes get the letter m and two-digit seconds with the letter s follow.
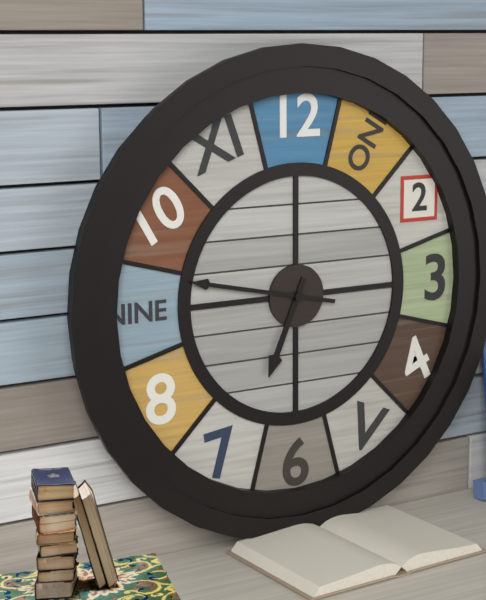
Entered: 6h47
